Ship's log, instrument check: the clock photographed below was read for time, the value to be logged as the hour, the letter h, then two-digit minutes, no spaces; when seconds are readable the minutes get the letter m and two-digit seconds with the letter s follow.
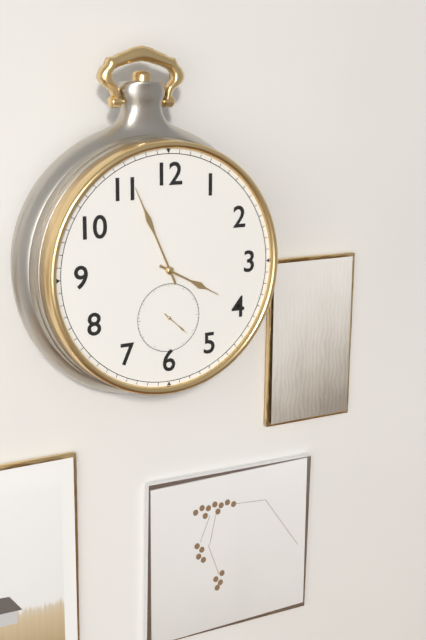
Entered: 3h56
